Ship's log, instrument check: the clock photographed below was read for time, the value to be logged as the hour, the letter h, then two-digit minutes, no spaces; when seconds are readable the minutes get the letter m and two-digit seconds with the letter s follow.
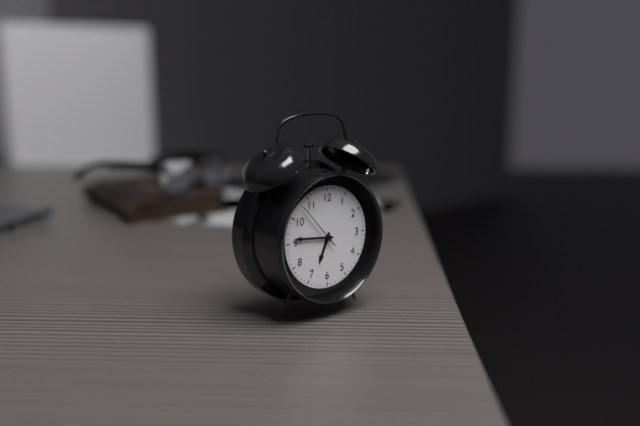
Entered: 6h46
